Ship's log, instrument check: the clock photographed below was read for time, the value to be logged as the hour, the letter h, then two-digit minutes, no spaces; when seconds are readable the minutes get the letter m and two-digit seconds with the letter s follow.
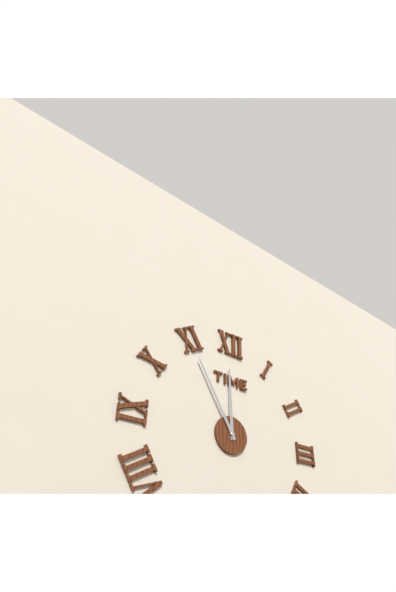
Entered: 11h55
